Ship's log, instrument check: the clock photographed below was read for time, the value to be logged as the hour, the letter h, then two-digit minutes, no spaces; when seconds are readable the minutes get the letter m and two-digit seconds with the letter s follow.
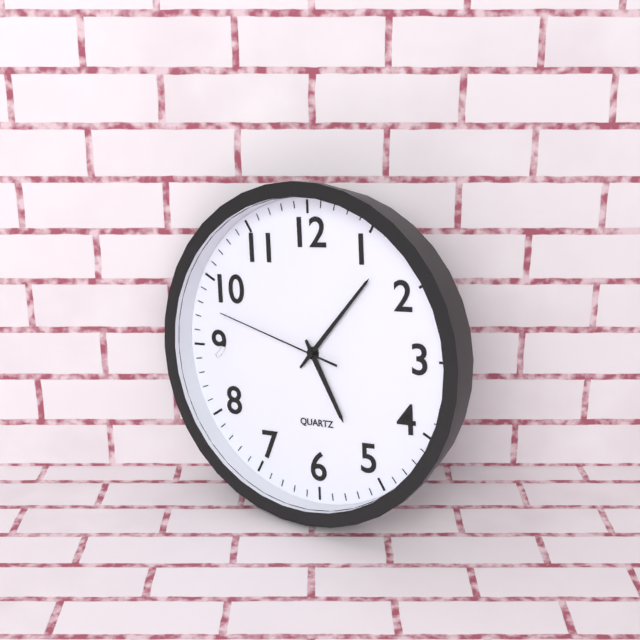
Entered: 5h07m48s
